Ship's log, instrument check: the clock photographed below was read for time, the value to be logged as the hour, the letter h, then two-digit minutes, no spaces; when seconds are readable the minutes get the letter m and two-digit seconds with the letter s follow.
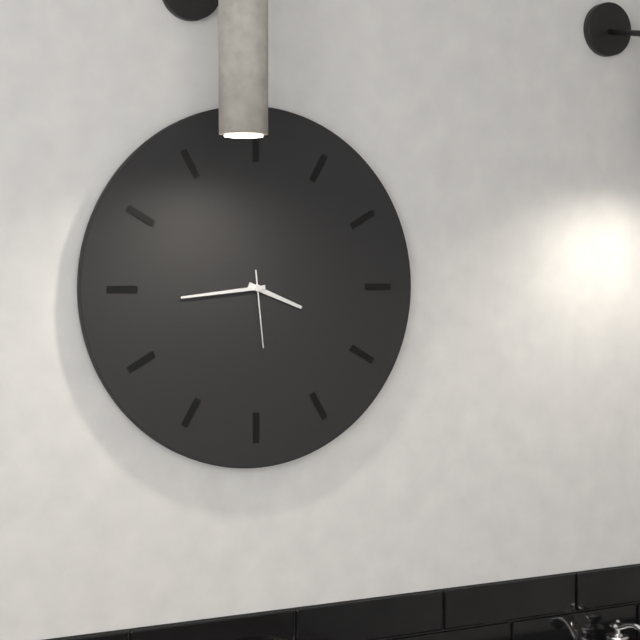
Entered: 3h44m29s
